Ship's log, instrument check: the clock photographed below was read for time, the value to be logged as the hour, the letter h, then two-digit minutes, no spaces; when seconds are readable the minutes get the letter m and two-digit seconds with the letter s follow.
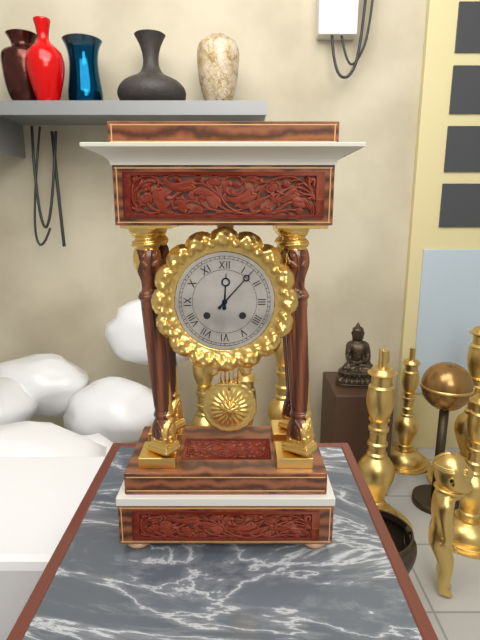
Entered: 12h07
